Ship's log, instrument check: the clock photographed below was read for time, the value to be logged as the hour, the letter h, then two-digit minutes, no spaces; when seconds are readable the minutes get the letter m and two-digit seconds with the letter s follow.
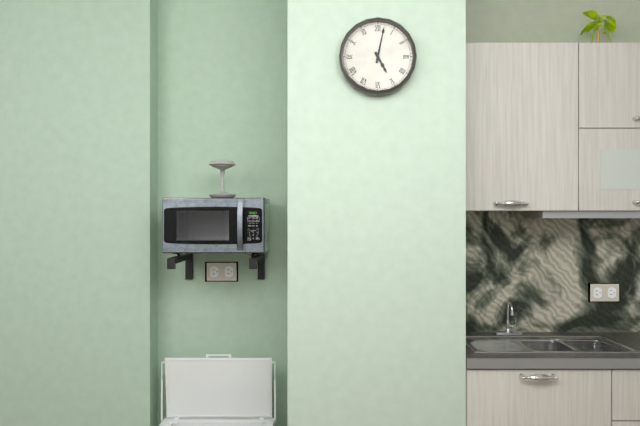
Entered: 5h02
